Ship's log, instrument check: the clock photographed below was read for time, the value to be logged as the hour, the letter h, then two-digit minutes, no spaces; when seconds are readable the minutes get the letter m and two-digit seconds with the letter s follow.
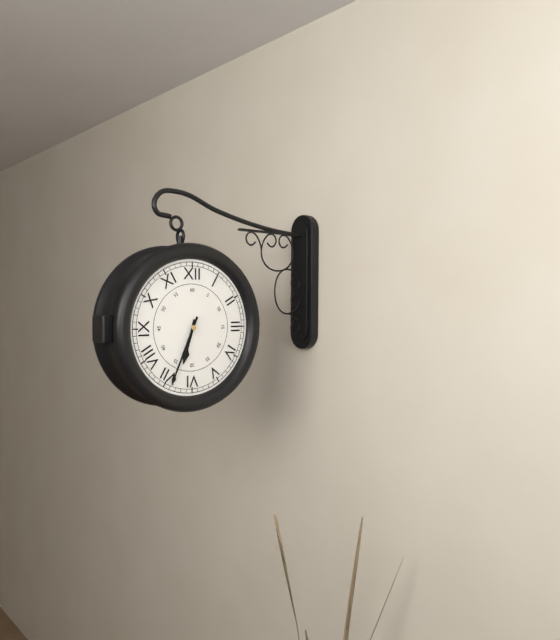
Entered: 6h34
